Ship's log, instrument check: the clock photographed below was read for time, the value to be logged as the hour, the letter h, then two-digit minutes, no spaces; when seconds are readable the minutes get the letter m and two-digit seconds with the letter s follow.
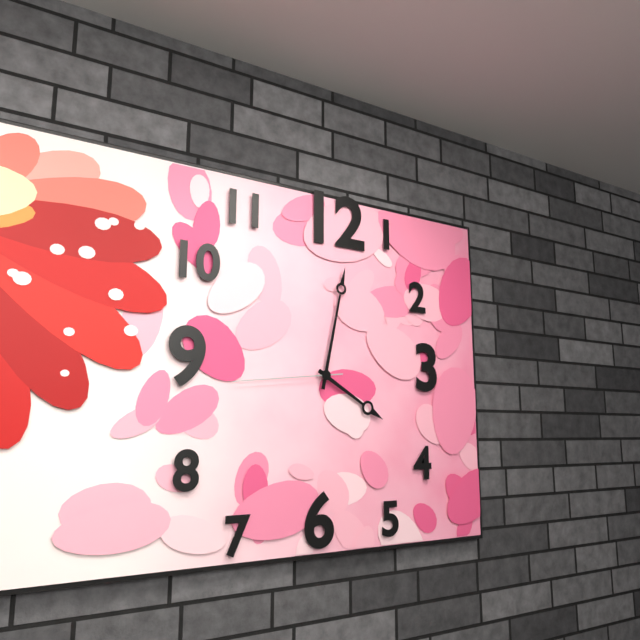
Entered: 4h02m44s
